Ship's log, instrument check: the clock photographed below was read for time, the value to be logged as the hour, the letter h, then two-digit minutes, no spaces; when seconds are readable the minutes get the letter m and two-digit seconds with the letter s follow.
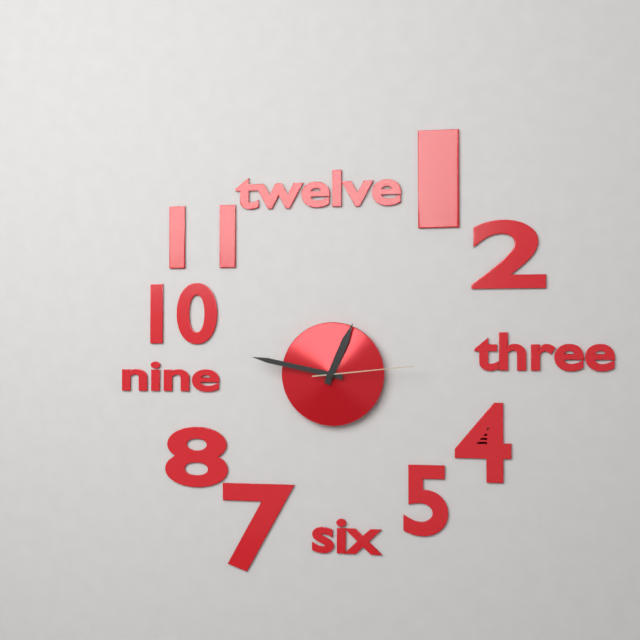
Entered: 12h47m14s
